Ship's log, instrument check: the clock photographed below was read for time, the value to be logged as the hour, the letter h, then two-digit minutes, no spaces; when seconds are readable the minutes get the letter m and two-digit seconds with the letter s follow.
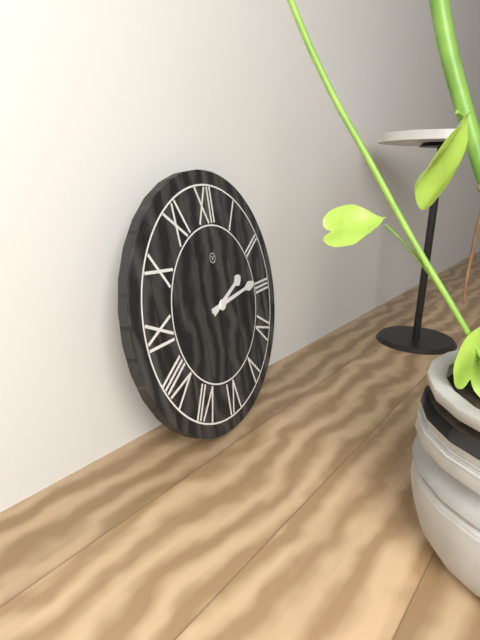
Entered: 2h14
